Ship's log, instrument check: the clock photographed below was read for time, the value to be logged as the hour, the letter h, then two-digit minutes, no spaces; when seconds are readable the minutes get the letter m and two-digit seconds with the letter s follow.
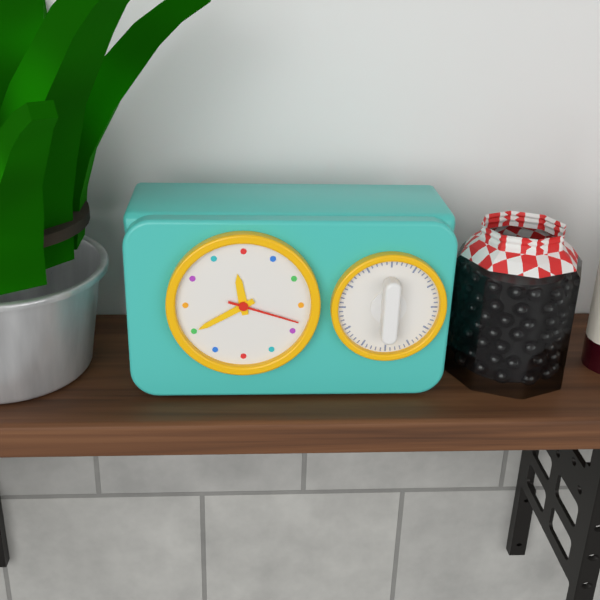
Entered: 11h40m18s
